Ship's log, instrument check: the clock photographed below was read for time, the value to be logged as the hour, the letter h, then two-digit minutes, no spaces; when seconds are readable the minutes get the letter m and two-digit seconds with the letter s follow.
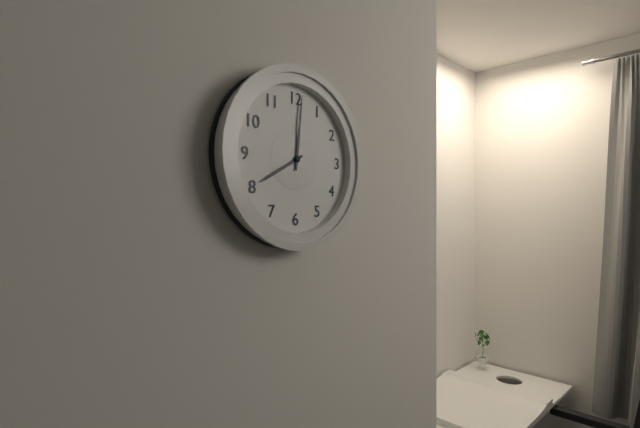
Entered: 8h01
